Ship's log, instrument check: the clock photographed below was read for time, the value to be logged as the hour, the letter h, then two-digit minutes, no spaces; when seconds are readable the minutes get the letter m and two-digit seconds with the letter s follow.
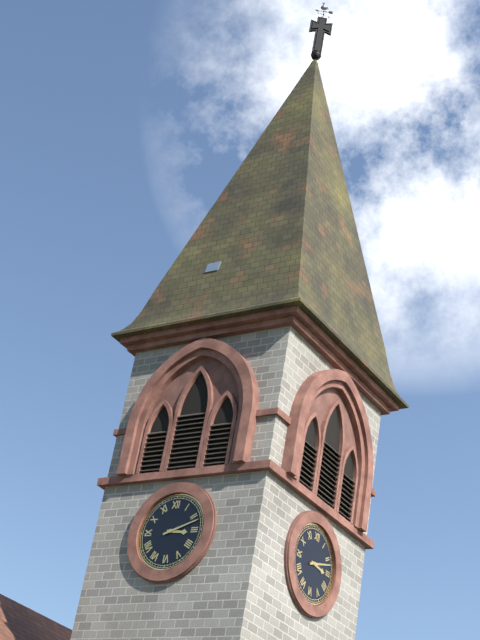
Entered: 3h12
